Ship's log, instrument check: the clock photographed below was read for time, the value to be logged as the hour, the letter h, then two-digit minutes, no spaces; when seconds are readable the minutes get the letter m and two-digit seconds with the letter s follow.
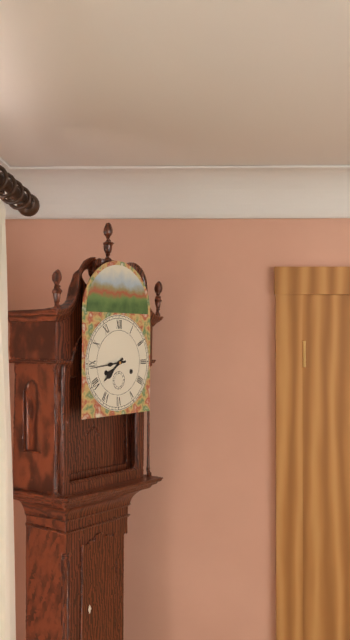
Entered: 7h44
